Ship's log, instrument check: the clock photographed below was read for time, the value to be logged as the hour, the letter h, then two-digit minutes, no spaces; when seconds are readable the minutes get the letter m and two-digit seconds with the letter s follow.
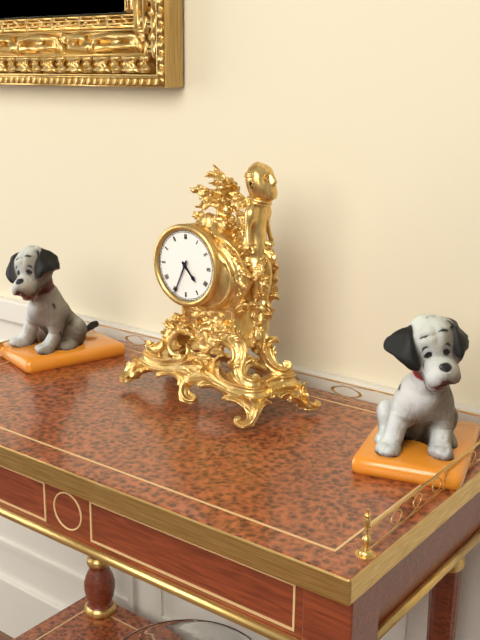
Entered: 4h34
